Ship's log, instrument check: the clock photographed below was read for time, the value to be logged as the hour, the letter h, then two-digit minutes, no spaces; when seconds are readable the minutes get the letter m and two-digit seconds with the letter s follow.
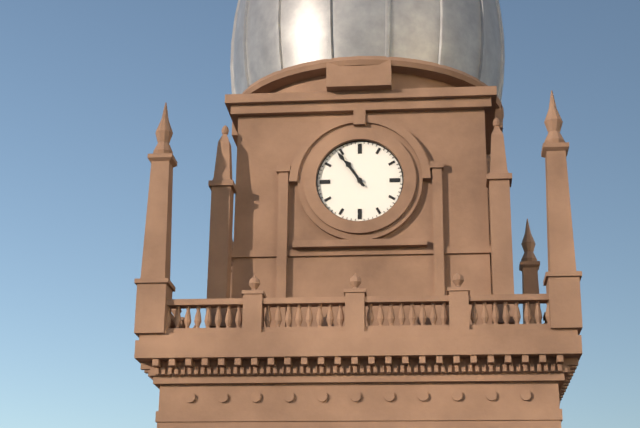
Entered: 10h54
